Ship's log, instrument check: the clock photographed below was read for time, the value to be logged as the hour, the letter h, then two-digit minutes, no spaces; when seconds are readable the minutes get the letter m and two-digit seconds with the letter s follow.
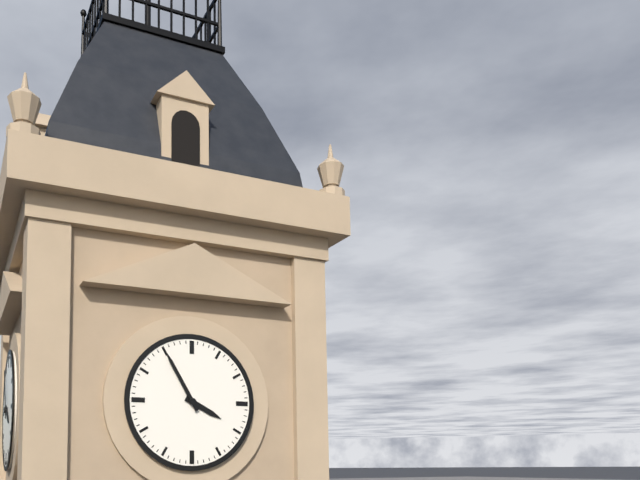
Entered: 3h55
